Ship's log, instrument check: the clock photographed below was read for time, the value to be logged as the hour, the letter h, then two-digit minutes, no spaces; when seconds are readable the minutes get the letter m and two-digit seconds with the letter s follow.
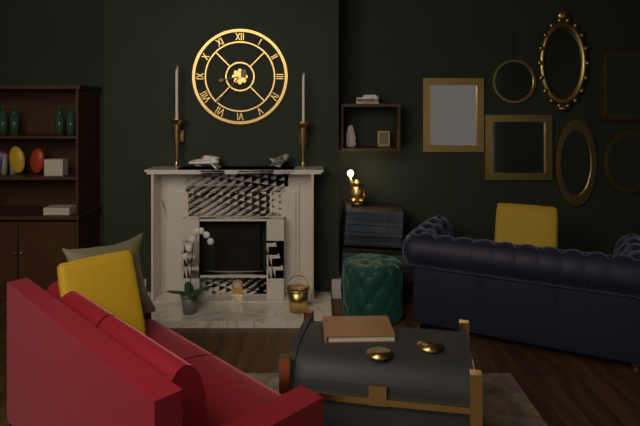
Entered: 8h37
